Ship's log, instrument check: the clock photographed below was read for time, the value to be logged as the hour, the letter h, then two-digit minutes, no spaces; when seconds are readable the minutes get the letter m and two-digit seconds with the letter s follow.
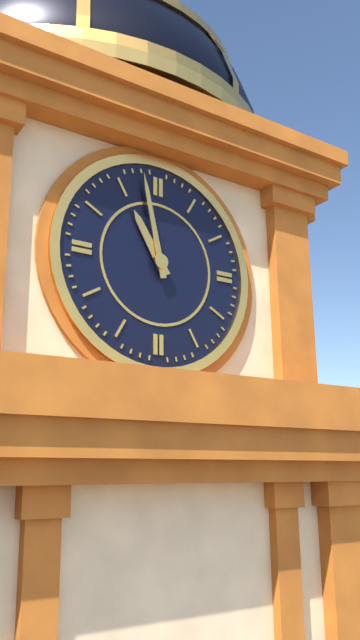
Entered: 10h58
